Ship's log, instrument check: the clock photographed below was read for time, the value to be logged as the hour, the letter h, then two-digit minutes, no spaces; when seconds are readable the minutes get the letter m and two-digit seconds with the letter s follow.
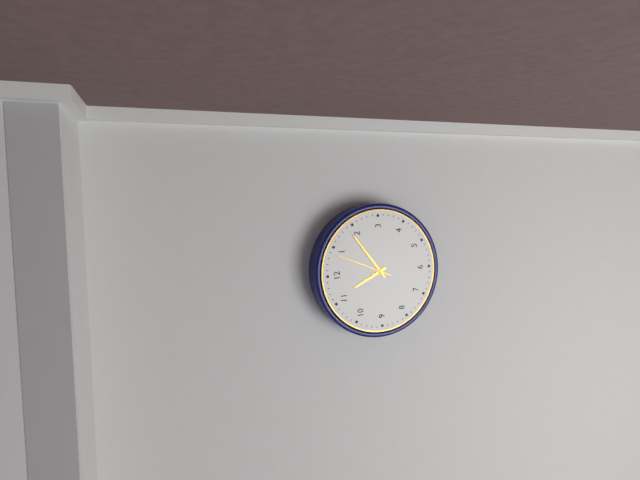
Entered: 11h09m04s
